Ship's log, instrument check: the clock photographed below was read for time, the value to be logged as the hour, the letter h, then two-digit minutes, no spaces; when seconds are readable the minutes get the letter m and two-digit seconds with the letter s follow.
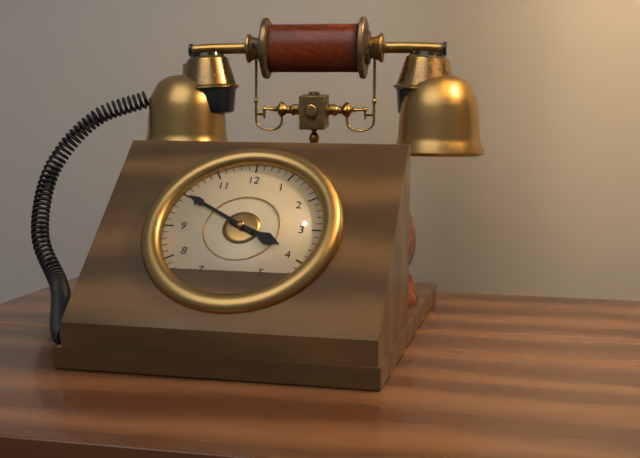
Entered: 3h50
